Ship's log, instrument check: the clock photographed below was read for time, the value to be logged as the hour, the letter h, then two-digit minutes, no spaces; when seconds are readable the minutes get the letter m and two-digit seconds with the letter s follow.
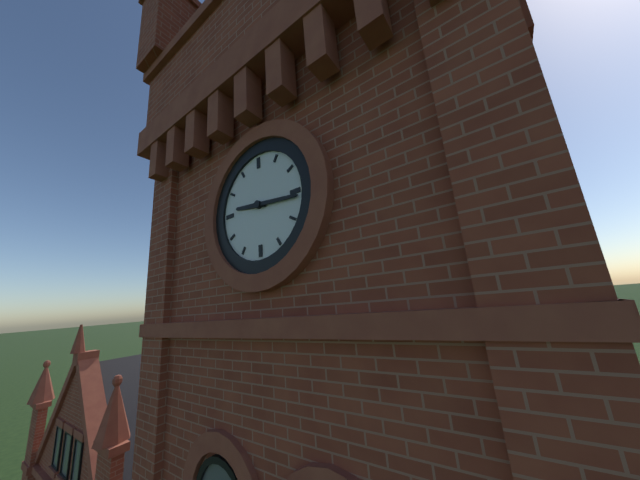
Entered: 9h16
